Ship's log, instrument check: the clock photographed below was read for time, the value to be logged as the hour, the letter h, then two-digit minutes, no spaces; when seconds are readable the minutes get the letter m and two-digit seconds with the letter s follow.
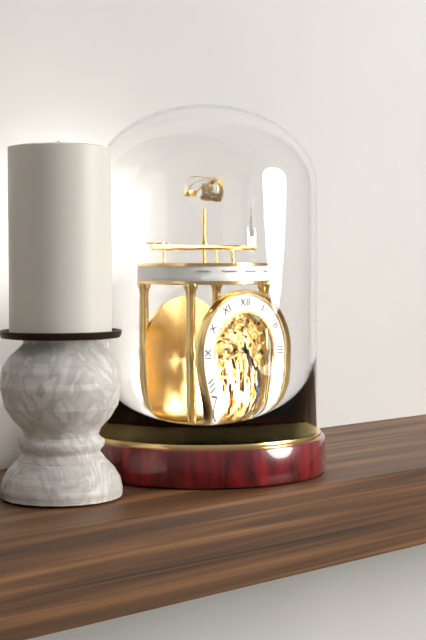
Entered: 4h27
